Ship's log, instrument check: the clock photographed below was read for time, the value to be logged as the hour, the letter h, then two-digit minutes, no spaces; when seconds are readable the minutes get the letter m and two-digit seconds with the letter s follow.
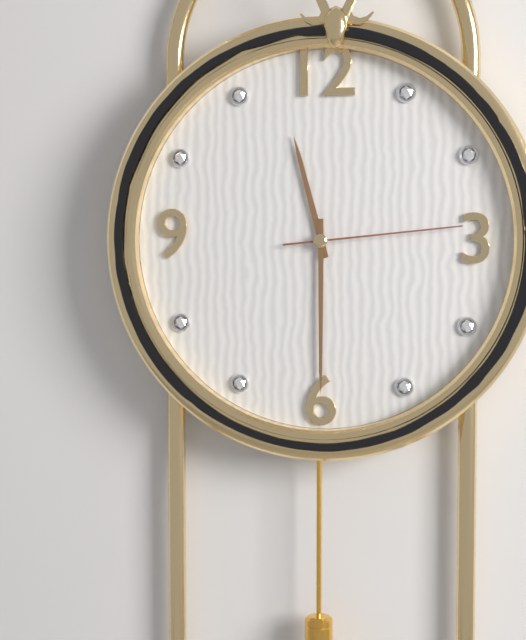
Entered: 11h30m14s
